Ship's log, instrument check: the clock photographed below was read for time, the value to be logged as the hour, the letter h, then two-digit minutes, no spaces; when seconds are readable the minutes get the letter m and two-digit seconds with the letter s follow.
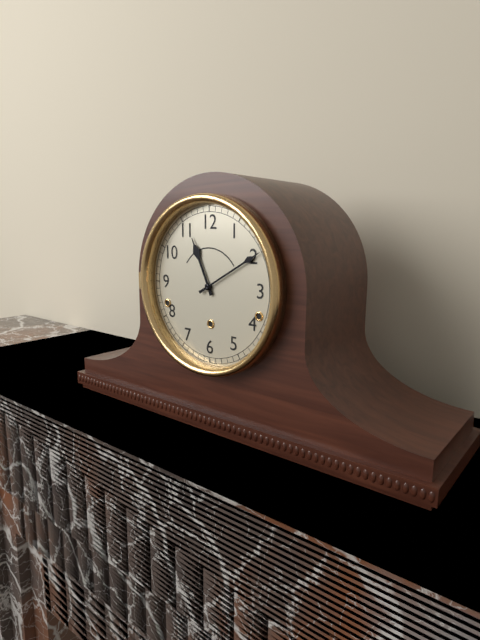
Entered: 11h10
